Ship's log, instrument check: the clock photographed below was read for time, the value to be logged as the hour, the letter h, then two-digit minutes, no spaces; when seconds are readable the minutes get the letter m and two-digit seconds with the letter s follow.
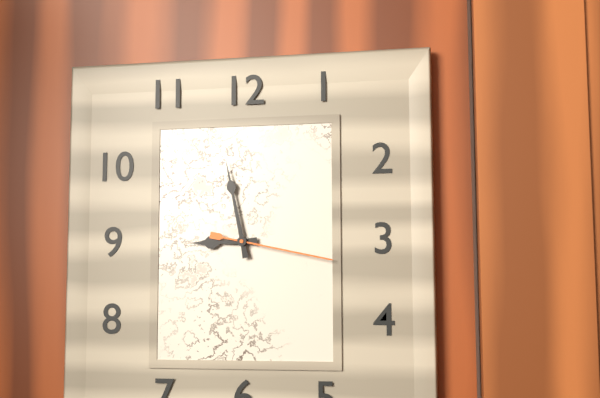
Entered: 8h58m17s
